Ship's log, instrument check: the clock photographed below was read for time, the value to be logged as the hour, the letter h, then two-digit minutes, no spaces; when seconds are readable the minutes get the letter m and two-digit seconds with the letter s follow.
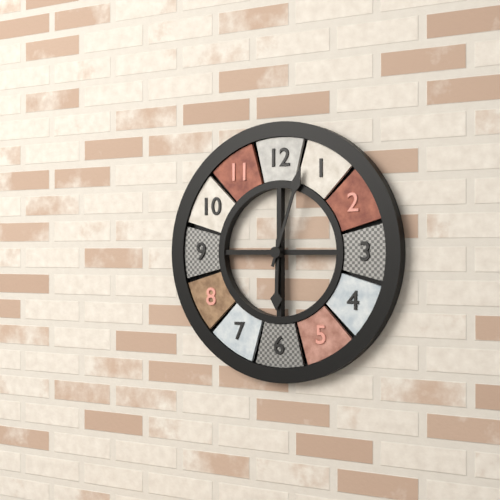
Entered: 6h03
